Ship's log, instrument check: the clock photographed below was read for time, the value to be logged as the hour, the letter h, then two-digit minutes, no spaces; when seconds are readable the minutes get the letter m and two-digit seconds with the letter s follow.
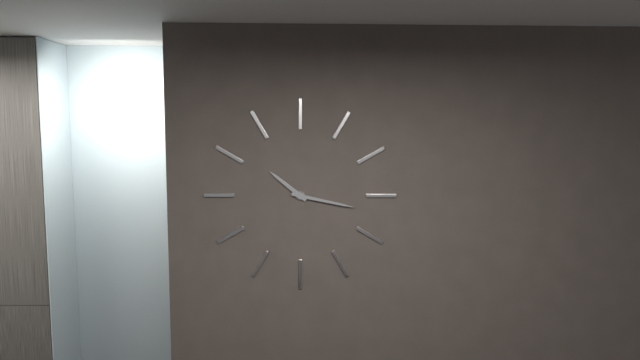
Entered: 10h17
